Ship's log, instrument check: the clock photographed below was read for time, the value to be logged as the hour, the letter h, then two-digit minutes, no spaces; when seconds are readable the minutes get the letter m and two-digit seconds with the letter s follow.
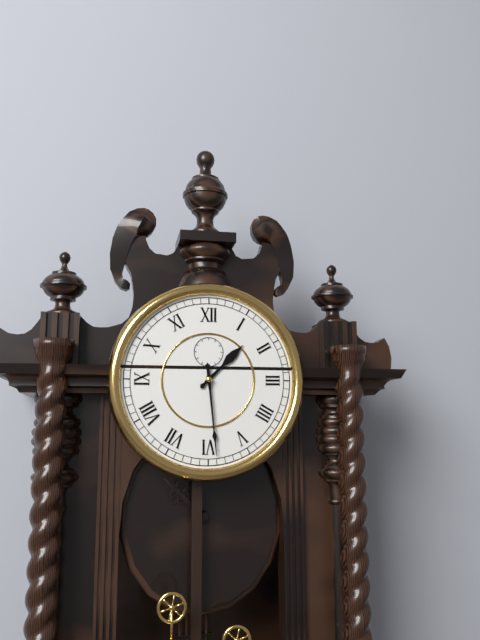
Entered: 1h29
